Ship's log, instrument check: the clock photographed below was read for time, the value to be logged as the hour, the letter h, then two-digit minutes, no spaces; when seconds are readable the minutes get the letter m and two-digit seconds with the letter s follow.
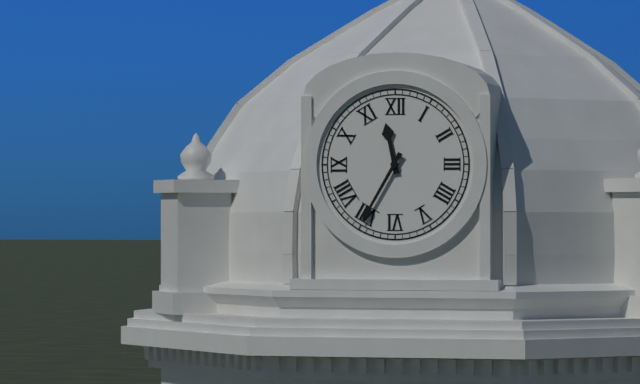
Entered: 11h35
